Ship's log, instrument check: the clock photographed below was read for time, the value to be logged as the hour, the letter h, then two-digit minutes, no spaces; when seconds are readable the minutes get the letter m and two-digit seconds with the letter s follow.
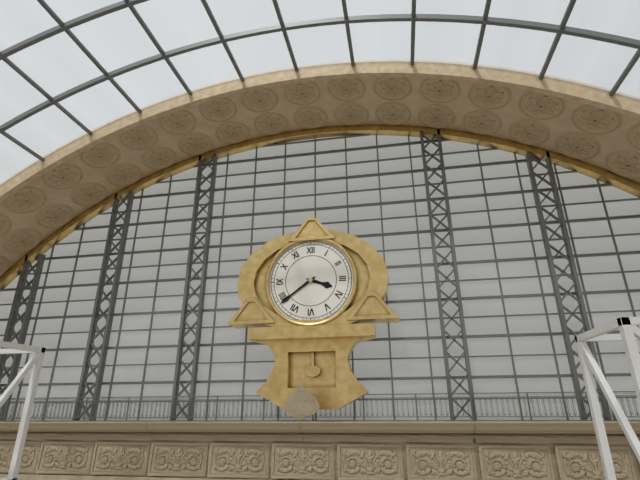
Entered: 3h39
